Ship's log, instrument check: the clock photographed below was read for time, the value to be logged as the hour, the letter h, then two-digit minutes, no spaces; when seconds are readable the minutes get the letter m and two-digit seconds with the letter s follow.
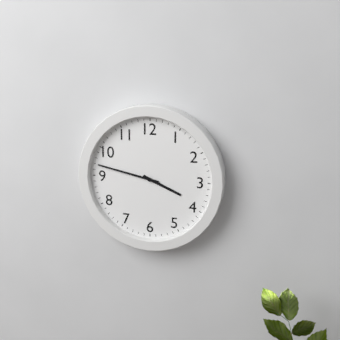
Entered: 3h47
